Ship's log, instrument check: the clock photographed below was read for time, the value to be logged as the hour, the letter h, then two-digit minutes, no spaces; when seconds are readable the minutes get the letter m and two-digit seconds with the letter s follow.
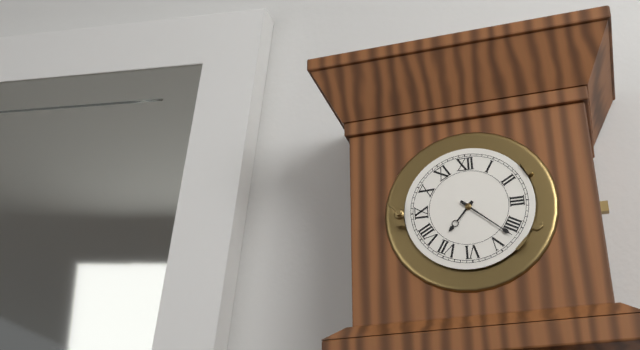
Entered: 7h22
